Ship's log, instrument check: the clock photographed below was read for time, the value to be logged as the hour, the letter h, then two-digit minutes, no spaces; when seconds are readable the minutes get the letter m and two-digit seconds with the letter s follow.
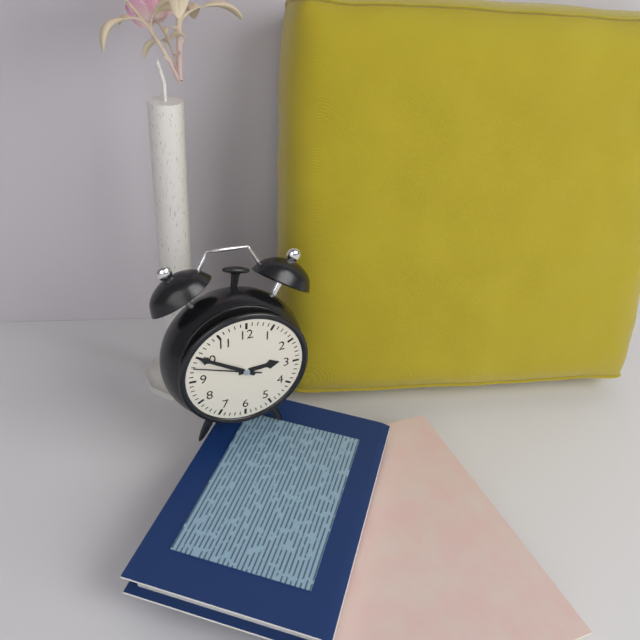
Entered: 2h50m48s
